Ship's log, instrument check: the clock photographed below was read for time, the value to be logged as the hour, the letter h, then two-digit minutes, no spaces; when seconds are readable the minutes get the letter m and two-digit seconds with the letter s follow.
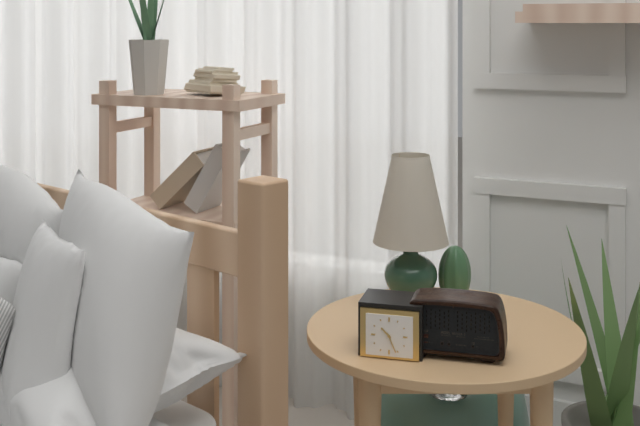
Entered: 10h26
